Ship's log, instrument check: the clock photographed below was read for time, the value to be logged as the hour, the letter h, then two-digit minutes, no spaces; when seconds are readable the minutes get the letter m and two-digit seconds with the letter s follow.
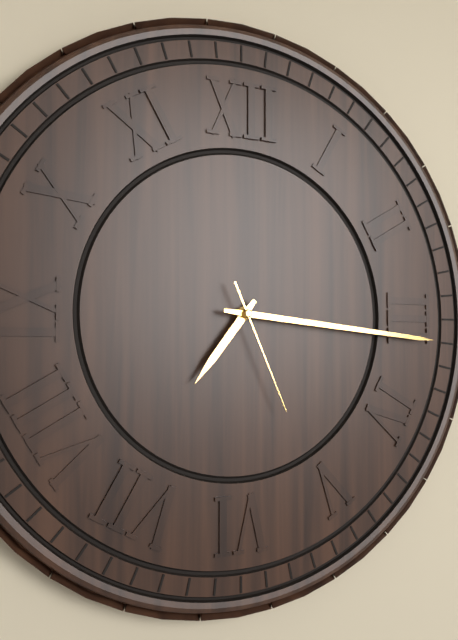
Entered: 7h16m26s
